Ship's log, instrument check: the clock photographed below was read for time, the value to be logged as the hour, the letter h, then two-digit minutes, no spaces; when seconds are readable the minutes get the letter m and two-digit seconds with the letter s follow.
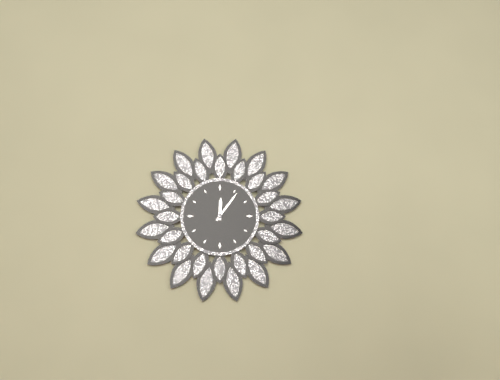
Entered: 12h06
